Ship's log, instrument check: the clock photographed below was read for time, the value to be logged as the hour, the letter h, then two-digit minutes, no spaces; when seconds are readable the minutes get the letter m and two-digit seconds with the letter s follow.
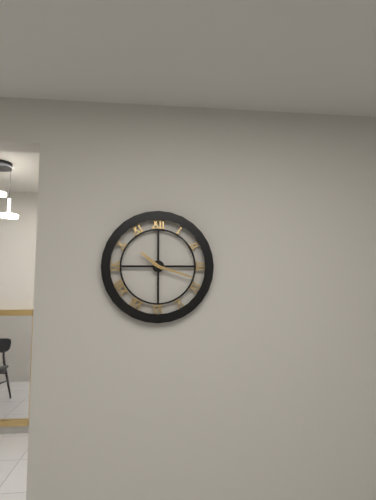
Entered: 10h18
